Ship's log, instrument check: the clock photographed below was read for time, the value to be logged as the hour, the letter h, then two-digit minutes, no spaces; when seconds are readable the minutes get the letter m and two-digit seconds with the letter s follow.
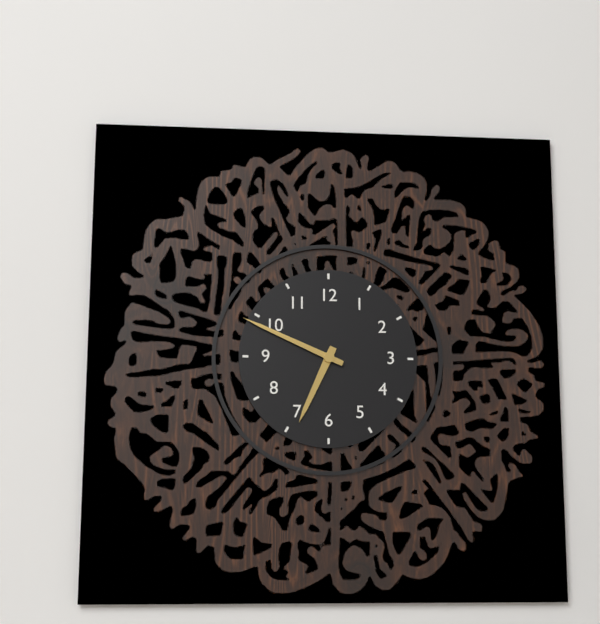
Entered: 6h49
